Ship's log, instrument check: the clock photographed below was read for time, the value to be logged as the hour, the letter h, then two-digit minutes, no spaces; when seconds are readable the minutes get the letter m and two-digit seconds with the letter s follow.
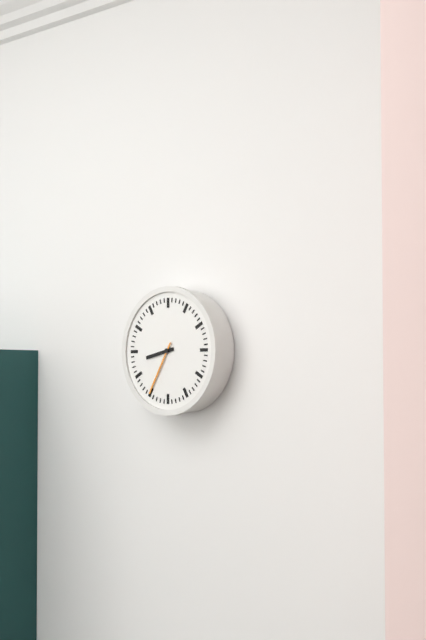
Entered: 8h35
